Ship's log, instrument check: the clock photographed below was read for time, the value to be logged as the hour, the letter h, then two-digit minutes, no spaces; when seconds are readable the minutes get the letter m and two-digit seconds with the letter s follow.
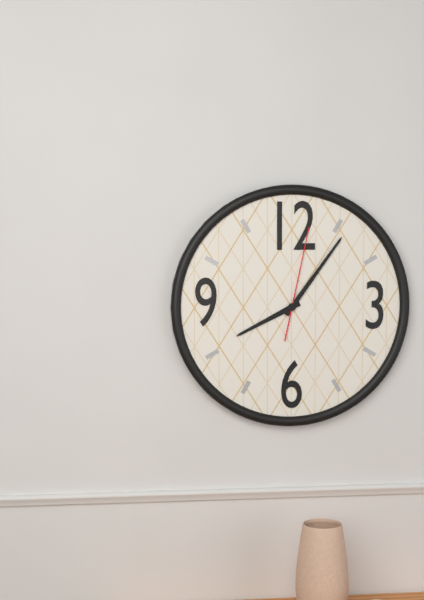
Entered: 8h06m02s
